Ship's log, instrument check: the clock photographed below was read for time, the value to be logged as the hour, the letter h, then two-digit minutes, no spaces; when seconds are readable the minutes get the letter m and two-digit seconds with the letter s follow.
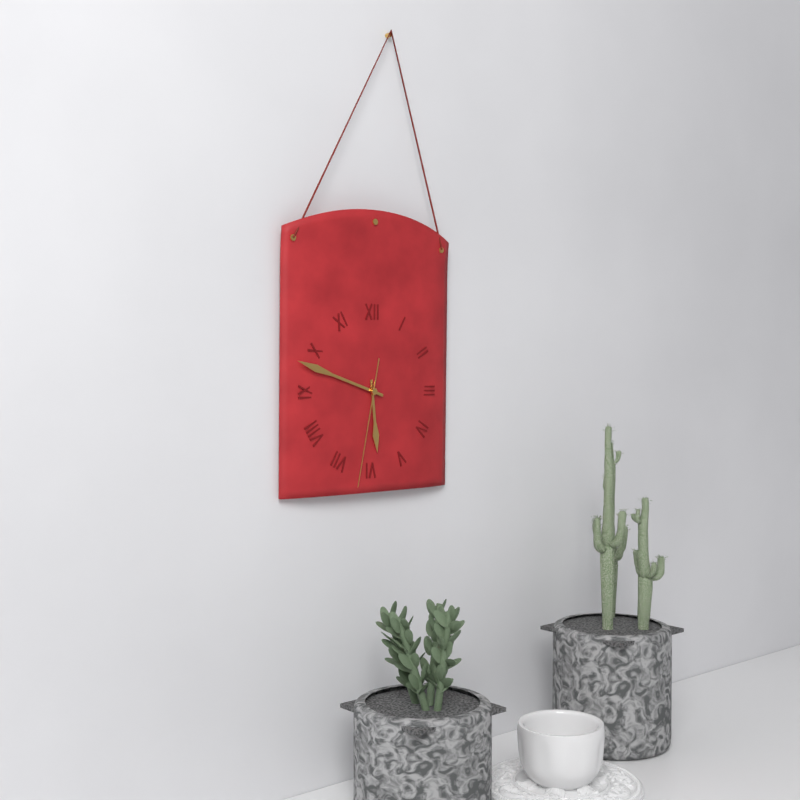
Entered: 5h48m32s
